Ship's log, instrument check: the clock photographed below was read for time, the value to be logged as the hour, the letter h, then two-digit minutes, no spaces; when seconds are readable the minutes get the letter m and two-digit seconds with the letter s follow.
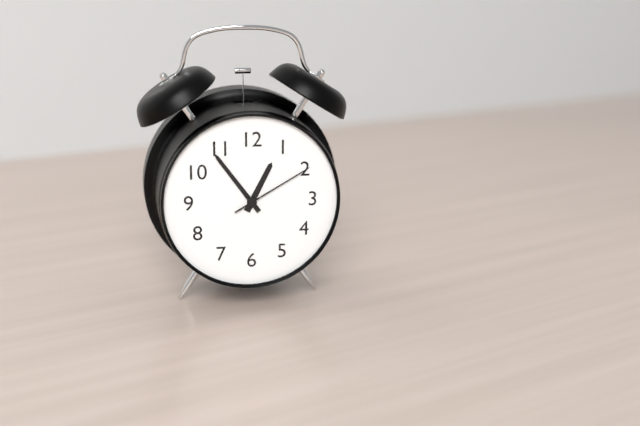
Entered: 12h54m10s
